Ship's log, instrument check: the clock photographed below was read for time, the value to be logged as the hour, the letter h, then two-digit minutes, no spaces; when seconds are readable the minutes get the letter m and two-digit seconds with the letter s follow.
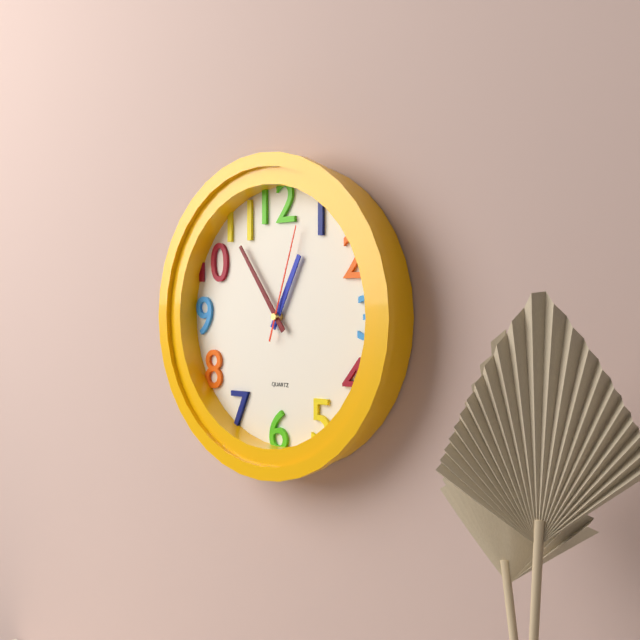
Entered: 12h54m03s
